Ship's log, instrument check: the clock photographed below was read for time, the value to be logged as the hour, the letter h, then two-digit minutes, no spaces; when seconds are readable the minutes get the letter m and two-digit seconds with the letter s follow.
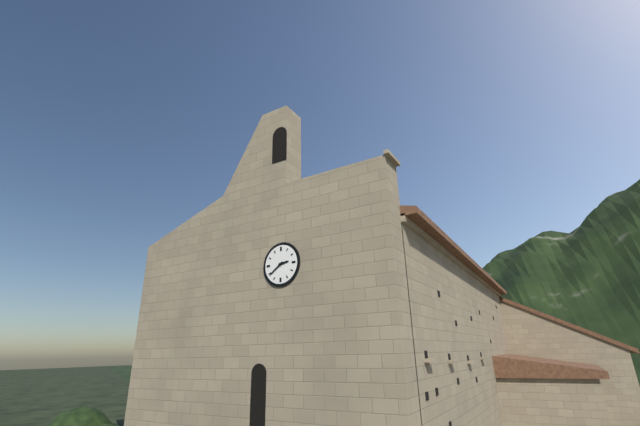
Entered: 2h39
